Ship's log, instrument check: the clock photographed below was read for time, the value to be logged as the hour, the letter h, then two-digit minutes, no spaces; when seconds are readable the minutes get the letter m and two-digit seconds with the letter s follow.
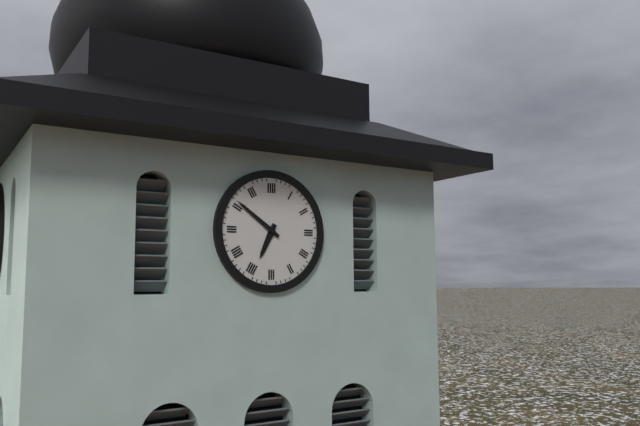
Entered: 6h51
